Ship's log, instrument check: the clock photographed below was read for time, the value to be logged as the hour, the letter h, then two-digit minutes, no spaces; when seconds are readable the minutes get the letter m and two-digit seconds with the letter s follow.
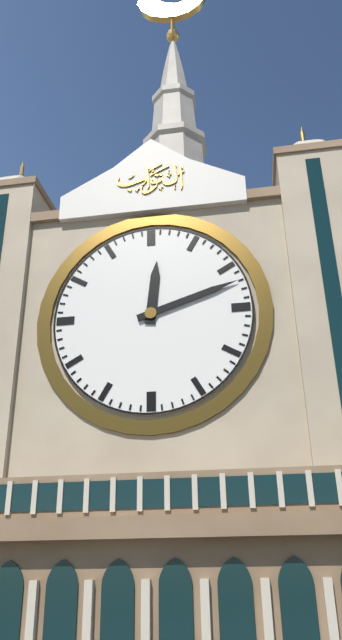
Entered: 12h12
